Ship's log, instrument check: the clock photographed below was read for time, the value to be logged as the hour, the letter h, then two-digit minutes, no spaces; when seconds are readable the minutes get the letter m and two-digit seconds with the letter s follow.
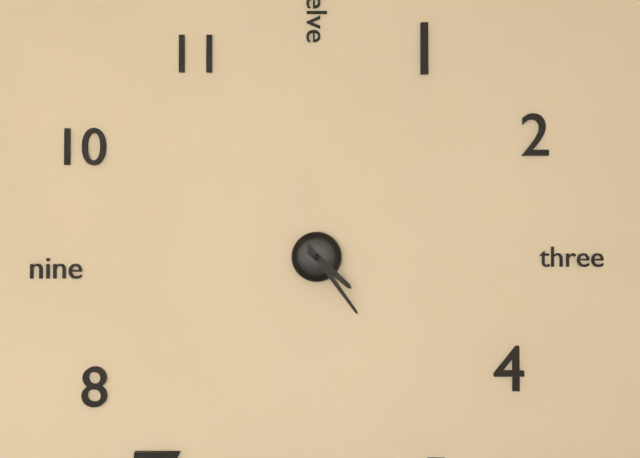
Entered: 4h24
